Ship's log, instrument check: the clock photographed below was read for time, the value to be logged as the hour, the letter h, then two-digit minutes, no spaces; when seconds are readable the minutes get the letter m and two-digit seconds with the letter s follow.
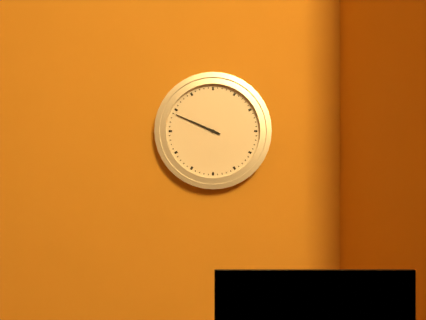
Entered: 9h49
